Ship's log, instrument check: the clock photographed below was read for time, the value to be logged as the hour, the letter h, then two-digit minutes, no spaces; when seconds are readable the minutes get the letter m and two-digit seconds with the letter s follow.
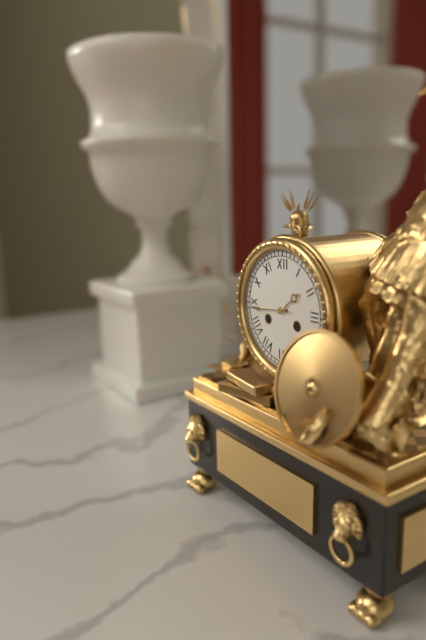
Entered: 1h44
